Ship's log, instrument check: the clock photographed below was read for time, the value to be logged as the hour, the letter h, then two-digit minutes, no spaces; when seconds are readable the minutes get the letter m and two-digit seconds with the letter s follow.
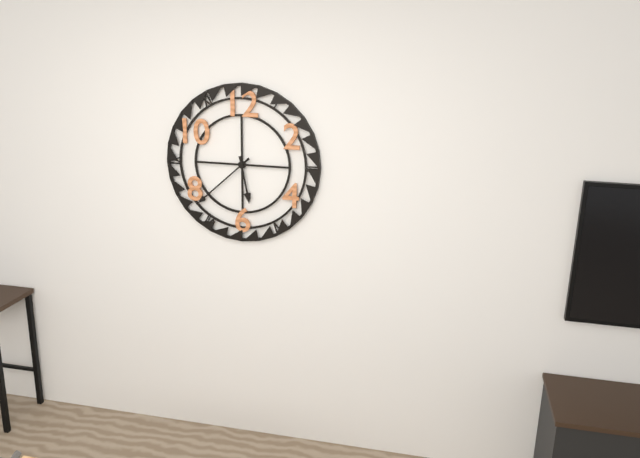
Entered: 5h38
